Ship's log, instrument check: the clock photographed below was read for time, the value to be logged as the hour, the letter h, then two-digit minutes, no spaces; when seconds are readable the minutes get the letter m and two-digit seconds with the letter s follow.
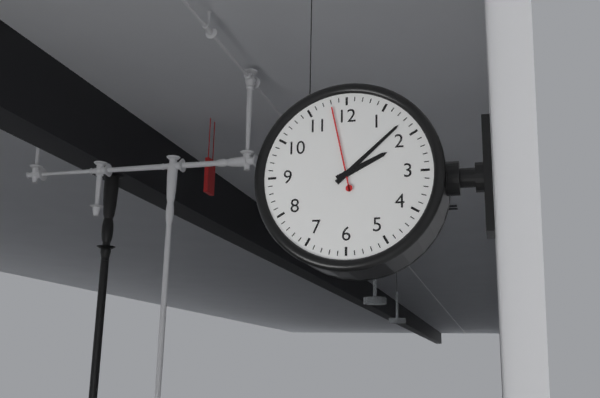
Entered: 2h08m58s
